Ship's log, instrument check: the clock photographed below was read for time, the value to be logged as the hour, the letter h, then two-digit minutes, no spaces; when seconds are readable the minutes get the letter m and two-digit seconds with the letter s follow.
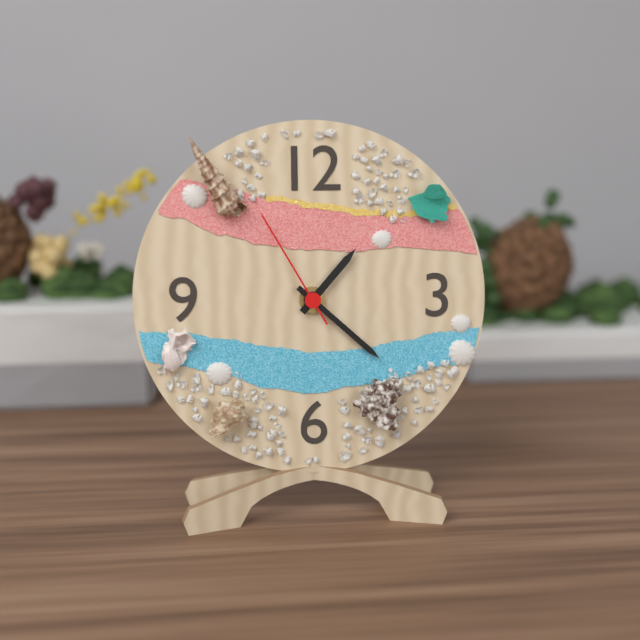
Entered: 1h22m55s
